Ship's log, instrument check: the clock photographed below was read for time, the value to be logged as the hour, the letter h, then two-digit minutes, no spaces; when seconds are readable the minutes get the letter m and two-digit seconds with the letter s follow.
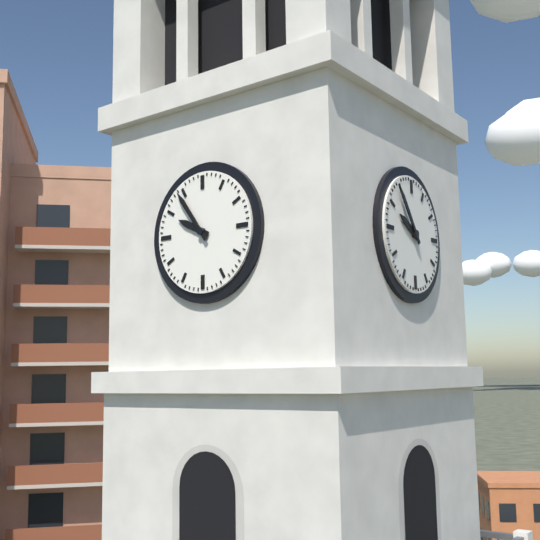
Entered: 9h54
